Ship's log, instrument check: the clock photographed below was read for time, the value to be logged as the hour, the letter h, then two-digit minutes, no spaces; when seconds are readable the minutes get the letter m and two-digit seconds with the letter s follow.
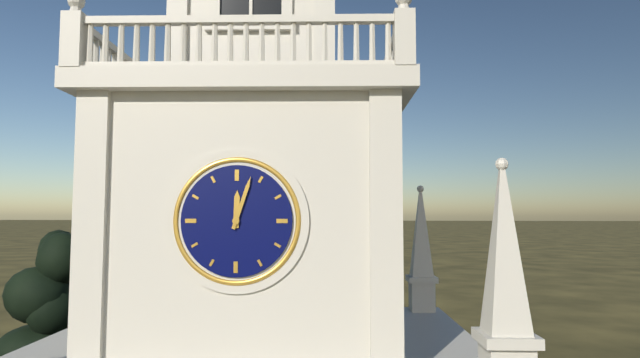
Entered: 12h03
